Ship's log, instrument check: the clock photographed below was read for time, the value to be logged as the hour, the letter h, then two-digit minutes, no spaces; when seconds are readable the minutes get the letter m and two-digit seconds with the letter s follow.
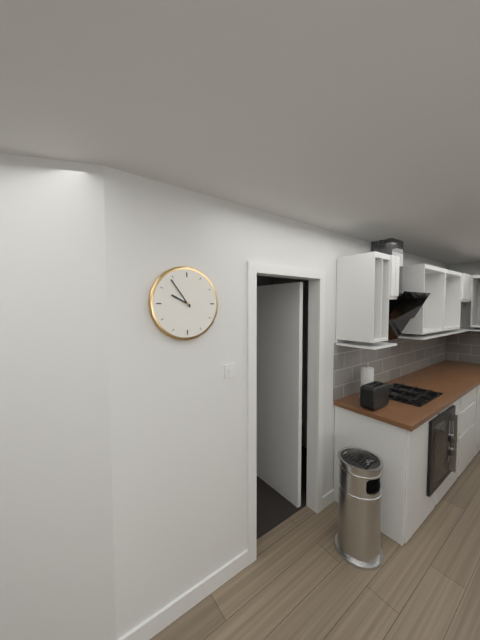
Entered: 9h54
